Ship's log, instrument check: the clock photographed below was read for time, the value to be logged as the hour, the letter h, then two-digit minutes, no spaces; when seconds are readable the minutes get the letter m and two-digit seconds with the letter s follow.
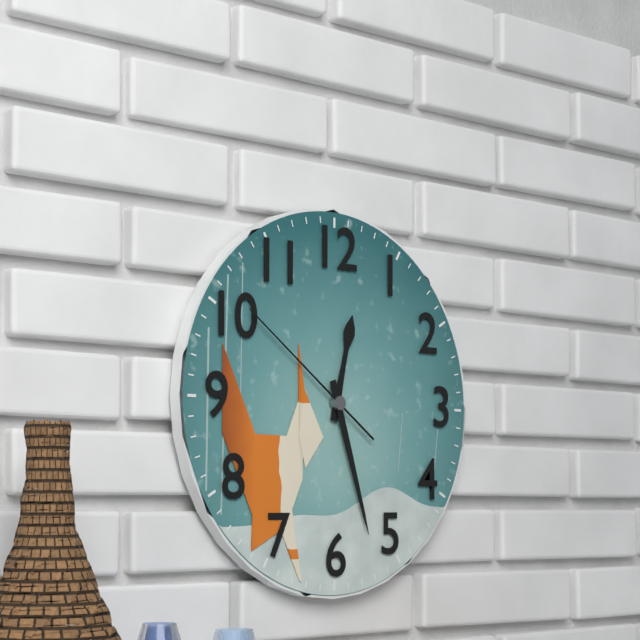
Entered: 12h27m51s
